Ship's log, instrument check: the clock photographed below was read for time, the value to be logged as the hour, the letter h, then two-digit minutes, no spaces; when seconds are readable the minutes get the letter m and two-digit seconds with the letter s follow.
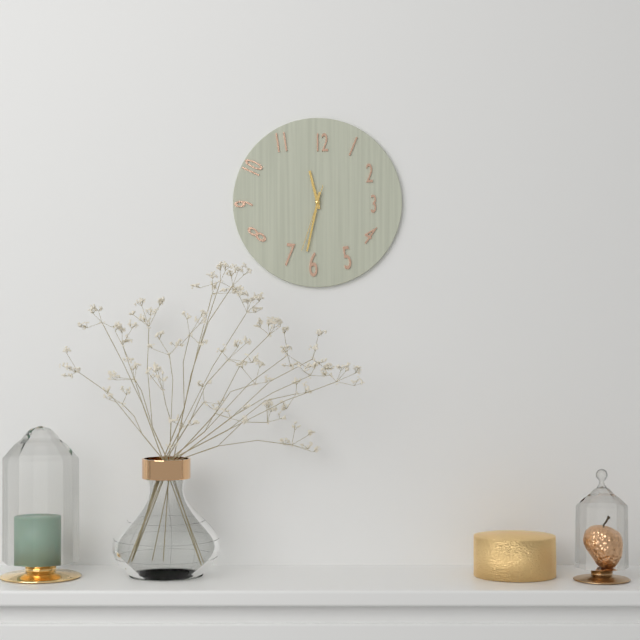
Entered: 11h32m33s
